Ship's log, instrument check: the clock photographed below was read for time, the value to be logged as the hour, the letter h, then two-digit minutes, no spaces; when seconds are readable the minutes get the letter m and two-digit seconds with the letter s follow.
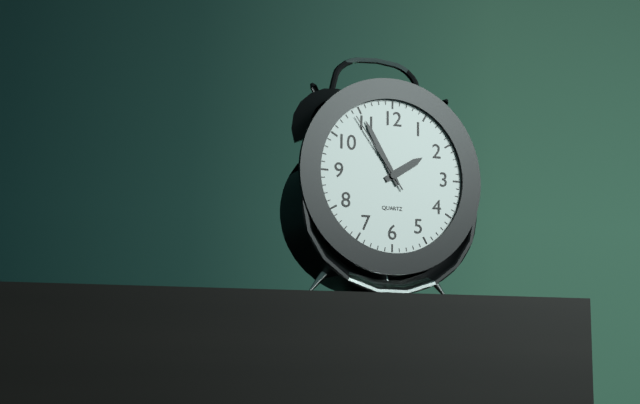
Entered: 1h55m54s
